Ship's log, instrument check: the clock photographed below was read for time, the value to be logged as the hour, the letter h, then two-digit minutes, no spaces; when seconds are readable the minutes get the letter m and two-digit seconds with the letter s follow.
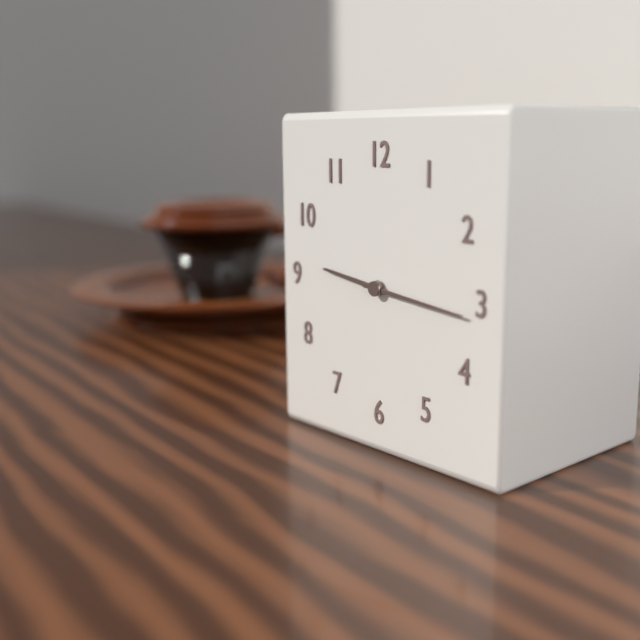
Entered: 9h16
